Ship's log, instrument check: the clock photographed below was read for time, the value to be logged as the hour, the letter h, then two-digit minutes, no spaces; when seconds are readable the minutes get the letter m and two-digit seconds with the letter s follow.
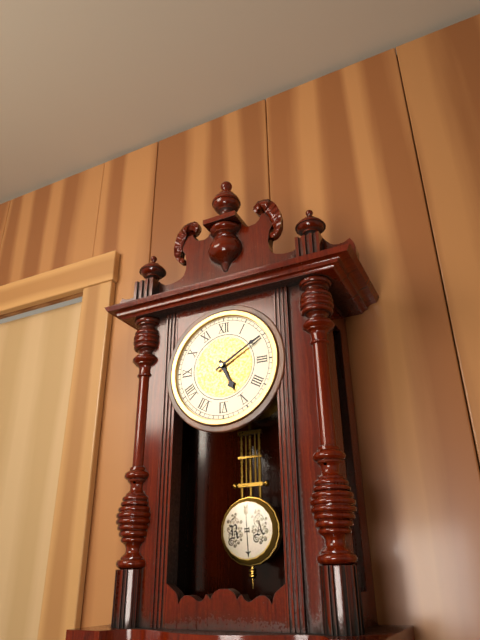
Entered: 5h10
